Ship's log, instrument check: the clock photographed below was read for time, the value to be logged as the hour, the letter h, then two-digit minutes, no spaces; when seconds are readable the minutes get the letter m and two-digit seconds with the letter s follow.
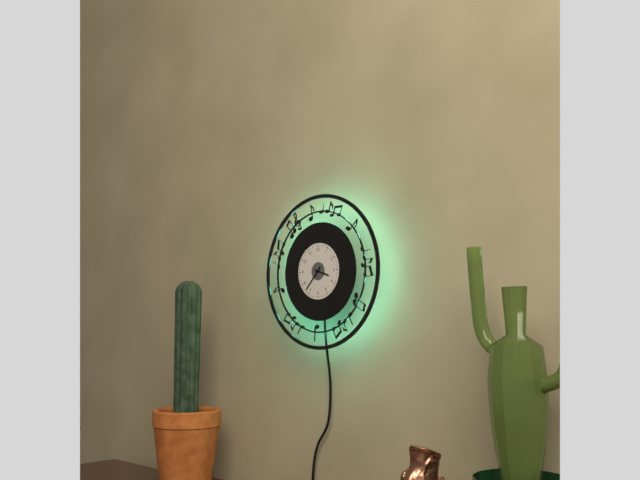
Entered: 3h37
